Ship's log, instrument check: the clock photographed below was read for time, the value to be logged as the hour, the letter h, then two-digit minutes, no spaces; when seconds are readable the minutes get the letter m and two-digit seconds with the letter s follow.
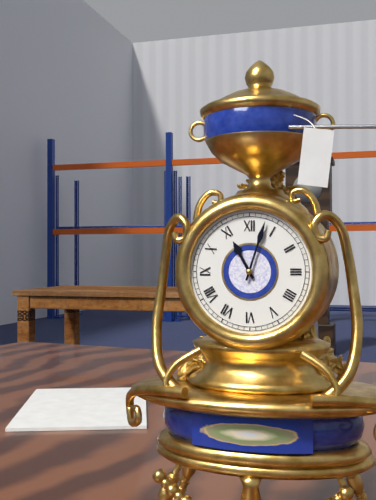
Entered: 11h03
